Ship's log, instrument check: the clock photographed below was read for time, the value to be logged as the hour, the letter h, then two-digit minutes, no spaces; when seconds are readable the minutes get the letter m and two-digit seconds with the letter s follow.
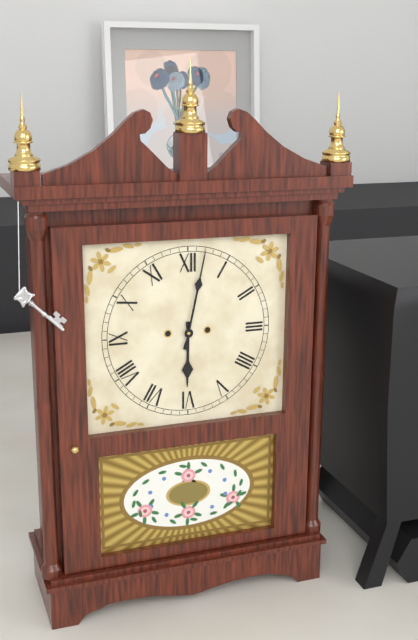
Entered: 6h02
